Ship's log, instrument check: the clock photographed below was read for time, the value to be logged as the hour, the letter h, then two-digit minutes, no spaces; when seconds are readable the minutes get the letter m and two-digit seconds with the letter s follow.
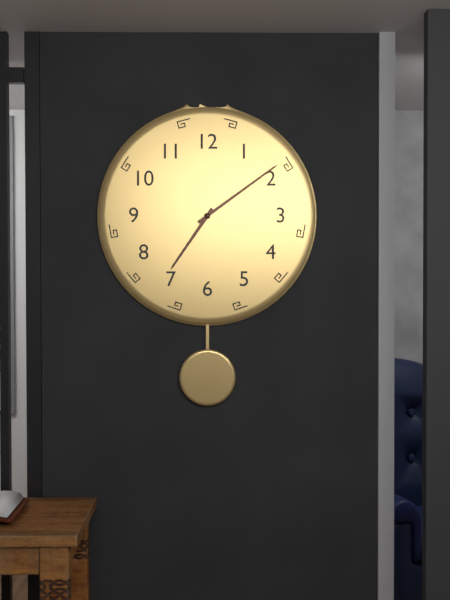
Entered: 7h09
